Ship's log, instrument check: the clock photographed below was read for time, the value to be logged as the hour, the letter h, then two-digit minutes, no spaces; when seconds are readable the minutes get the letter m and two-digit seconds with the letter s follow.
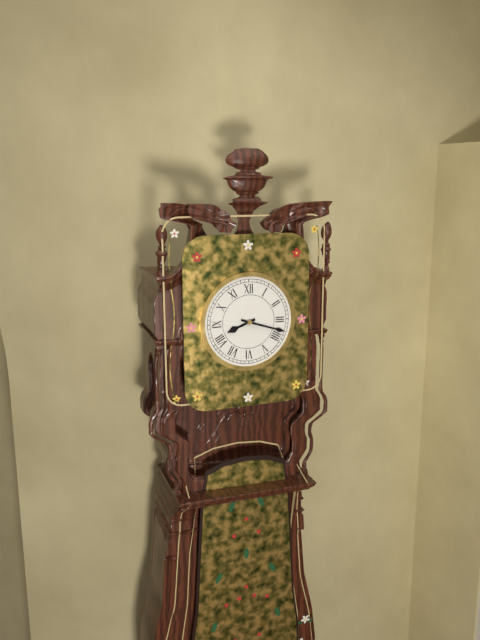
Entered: 8h18
